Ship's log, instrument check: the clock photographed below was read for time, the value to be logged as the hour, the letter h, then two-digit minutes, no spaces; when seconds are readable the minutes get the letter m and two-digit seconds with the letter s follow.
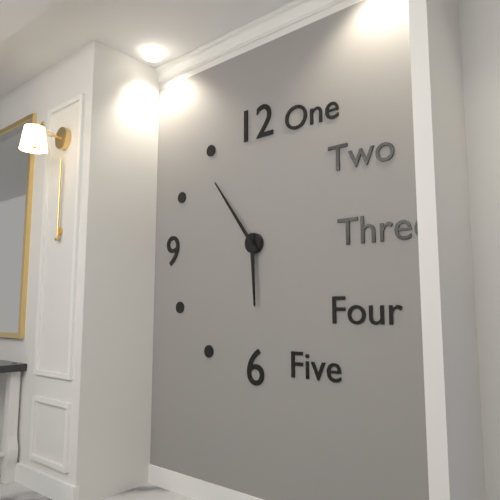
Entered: 5h54
